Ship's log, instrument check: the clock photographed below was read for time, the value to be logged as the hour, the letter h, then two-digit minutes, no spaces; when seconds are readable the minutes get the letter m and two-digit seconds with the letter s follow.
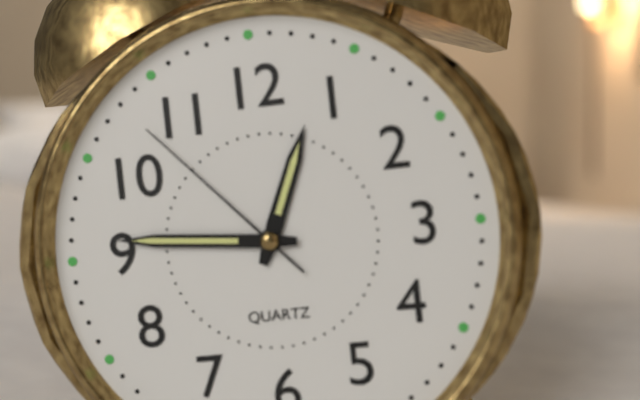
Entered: 12h46m53s
